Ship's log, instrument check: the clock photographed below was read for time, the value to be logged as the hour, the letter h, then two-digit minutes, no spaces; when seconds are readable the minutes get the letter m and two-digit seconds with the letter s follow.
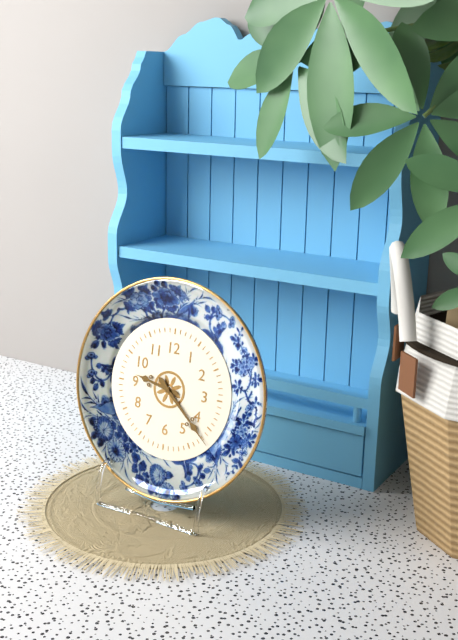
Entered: 9h22
